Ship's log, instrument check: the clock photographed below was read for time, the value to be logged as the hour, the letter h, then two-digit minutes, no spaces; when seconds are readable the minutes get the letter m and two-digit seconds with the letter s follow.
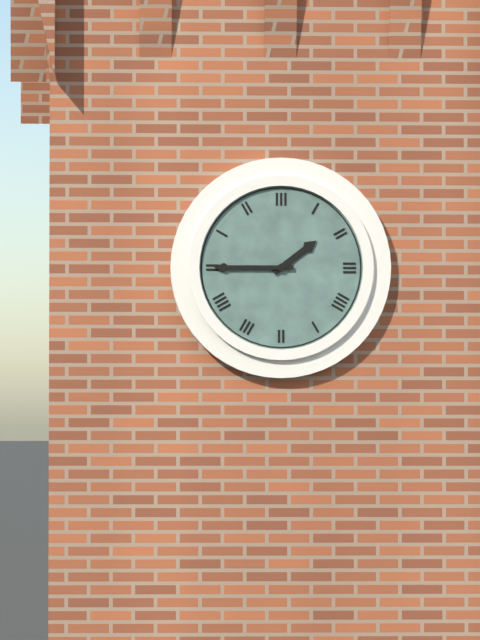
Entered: 1h45
